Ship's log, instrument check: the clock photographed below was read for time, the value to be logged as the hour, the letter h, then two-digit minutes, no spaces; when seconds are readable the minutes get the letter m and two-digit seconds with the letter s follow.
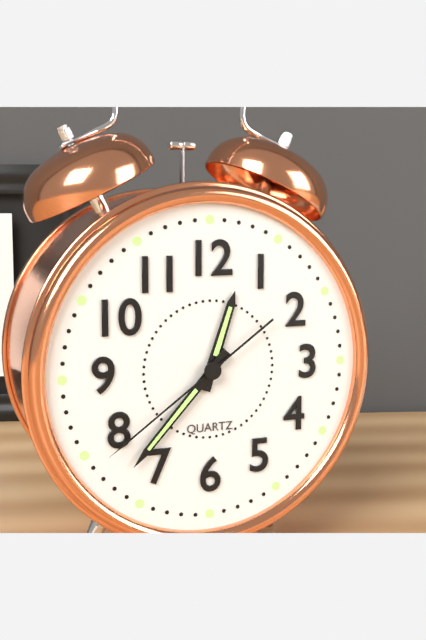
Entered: 12h37m39s
